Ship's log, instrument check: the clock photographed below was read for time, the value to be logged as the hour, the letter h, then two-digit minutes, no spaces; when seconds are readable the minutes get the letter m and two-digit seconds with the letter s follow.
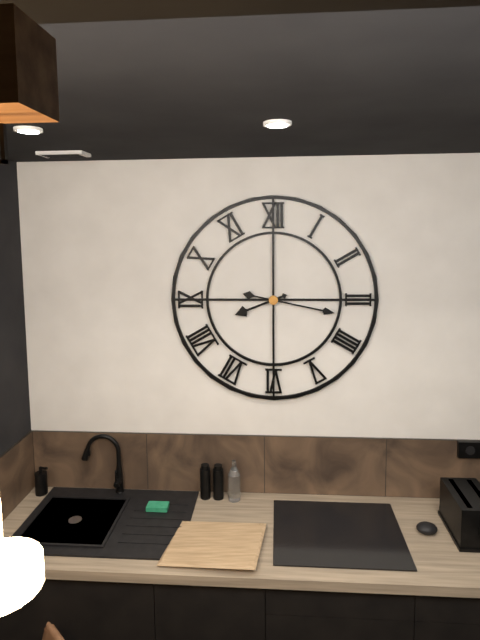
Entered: 8h17
